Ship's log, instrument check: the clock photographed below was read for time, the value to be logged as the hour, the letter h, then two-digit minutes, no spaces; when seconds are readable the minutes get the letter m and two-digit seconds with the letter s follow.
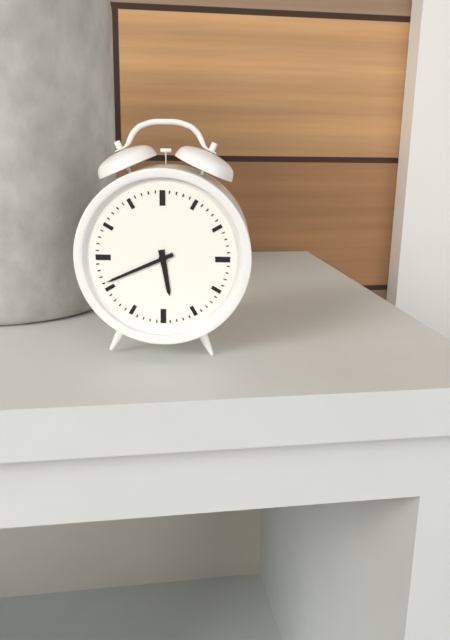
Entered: 5h41
